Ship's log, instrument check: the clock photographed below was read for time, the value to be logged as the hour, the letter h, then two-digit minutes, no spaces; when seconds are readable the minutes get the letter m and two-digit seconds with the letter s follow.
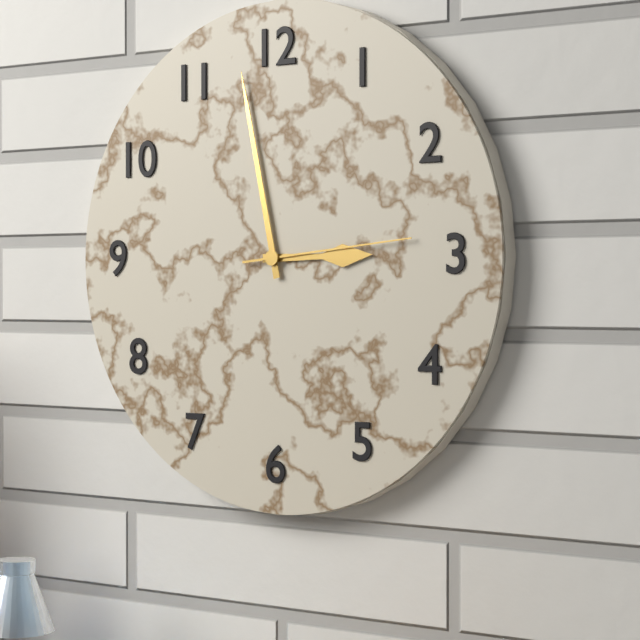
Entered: 2h58m14s
